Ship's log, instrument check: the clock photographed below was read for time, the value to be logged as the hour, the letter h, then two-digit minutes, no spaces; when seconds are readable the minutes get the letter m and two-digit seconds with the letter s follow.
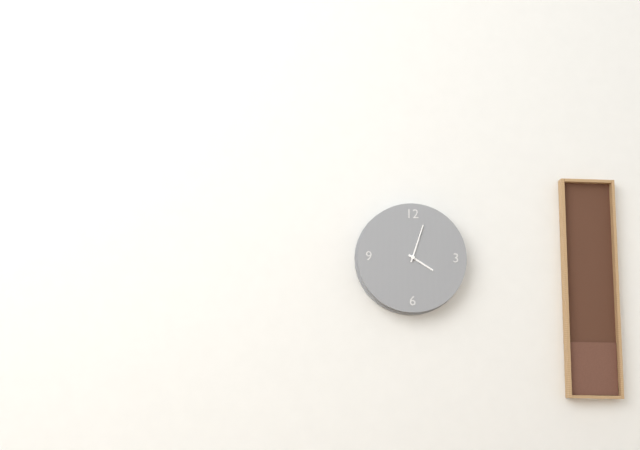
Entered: 4h03
